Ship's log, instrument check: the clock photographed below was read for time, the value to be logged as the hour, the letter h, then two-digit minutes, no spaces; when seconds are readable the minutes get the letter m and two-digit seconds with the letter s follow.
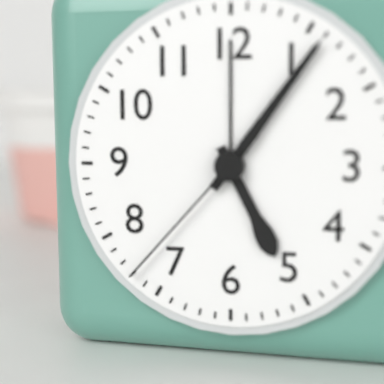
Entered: 5h06m37s
